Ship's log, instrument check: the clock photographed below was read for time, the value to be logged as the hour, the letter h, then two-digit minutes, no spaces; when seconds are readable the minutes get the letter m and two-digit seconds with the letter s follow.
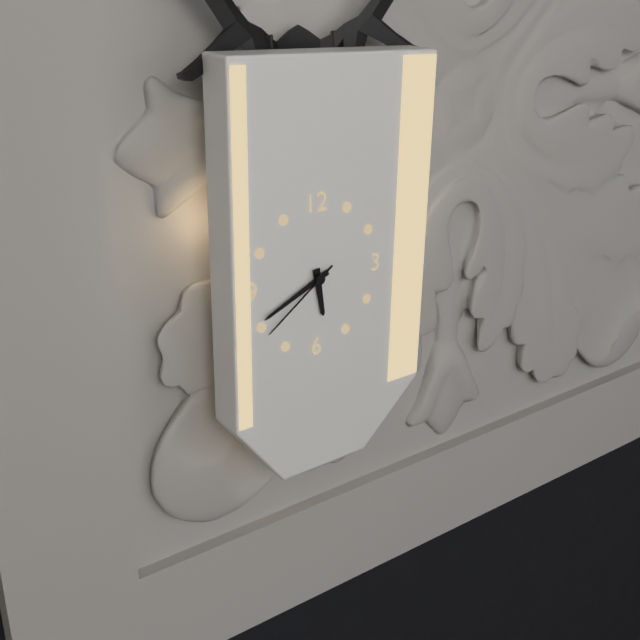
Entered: 5h41m39s
